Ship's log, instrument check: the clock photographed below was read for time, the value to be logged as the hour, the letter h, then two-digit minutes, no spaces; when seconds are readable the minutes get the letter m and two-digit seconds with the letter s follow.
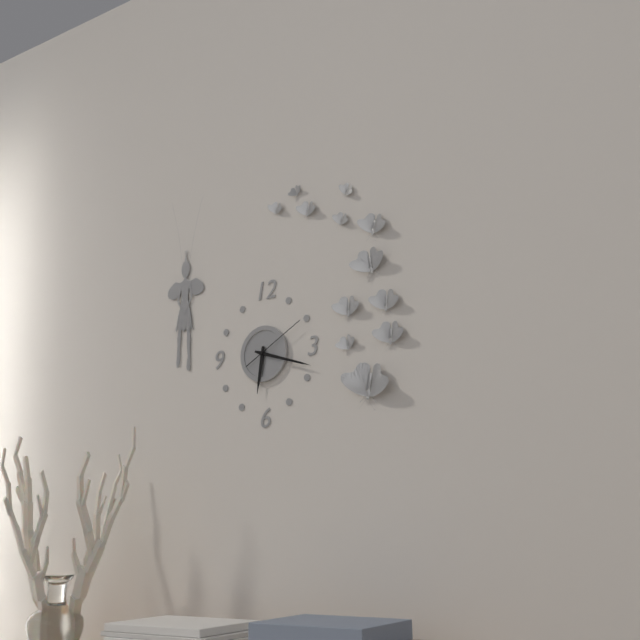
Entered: 6h18m10s
